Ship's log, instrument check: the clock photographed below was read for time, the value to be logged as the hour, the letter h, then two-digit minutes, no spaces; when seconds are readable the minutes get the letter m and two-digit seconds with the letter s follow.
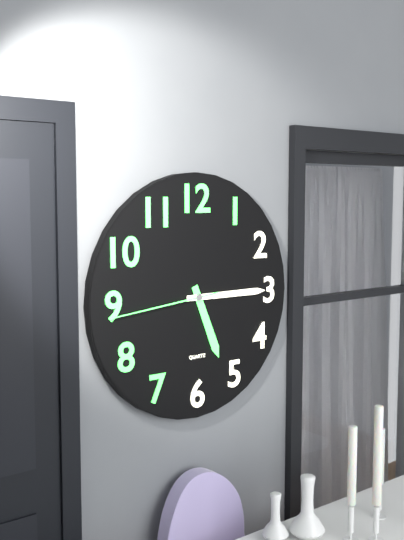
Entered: 5h15m44s
